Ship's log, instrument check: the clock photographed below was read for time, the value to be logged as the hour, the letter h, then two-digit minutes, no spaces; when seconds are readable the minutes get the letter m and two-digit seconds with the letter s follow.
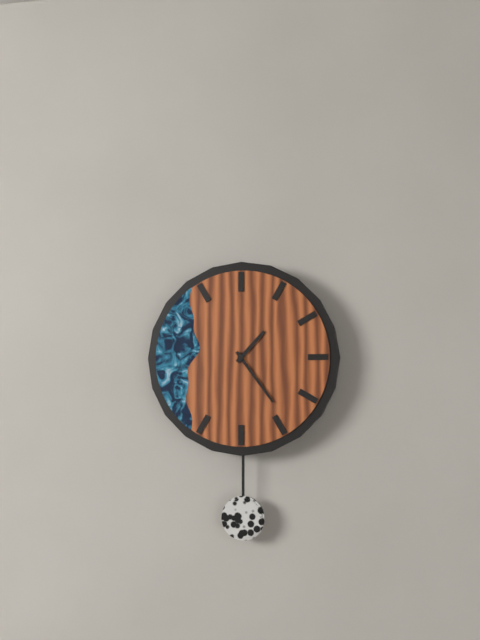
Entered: 1h24
